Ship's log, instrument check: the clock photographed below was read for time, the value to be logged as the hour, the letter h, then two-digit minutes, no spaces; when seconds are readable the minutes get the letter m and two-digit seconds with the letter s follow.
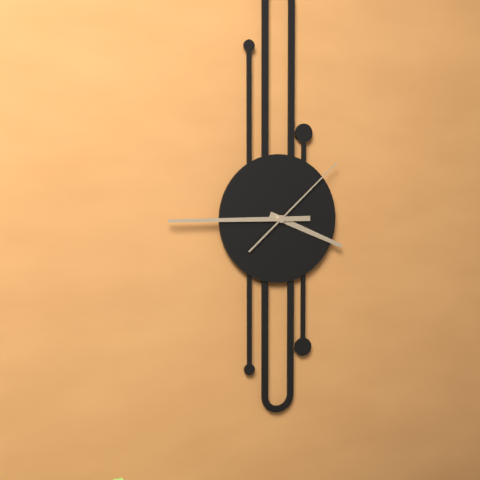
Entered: 3h45m08s
